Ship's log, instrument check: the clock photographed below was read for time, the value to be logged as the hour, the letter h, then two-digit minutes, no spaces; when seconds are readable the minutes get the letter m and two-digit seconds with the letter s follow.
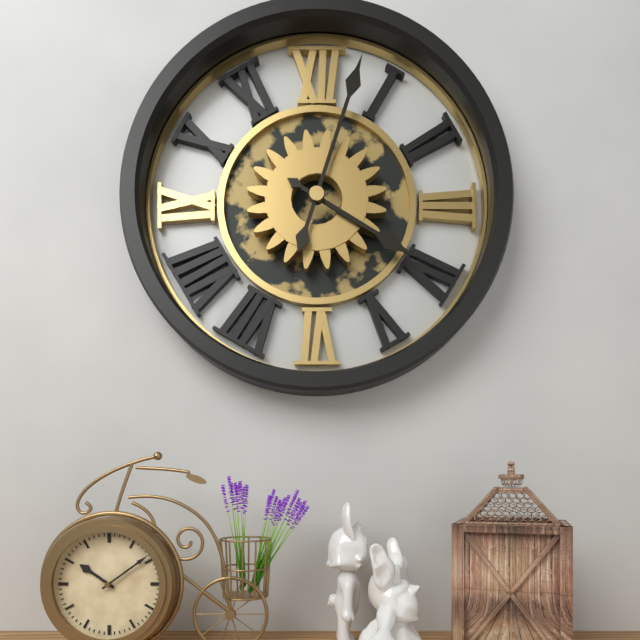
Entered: 4h03
